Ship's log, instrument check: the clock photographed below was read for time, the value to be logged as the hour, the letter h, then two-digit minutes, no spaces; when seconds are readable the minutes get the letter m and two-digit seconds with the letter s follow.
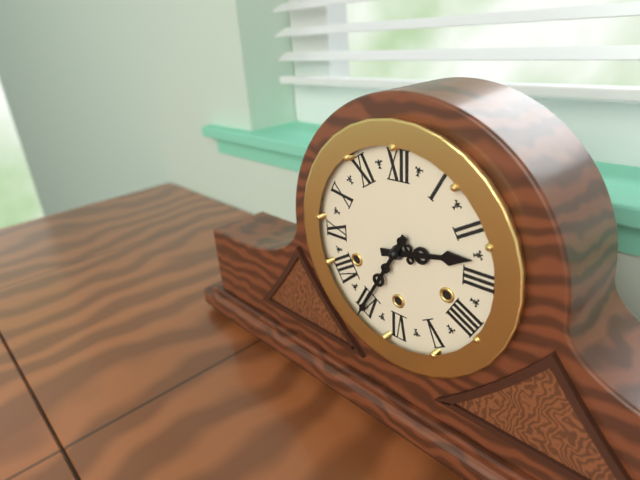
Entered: 2h35
